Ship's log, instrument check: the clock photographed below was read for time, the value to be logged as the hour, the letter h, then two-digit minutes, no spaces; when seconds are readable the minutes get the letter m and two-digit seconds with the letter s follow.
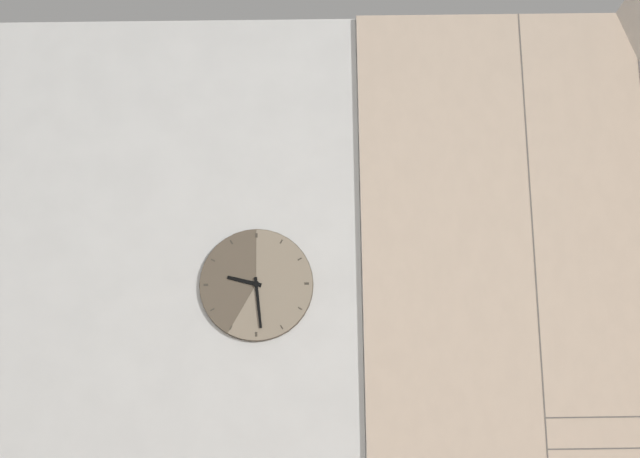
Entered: 9h29
